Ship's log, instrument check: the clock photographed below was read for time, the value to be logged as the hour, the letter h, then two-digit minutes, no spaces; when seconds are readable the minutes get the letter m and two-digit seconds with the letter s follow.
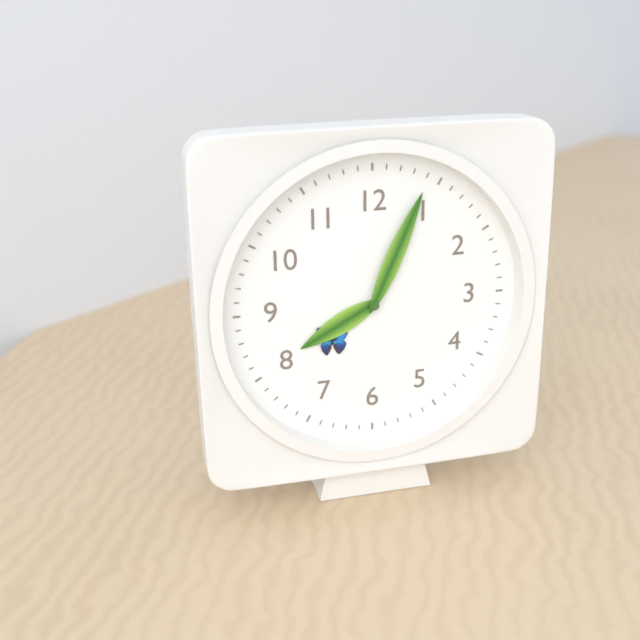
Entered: 8h04
